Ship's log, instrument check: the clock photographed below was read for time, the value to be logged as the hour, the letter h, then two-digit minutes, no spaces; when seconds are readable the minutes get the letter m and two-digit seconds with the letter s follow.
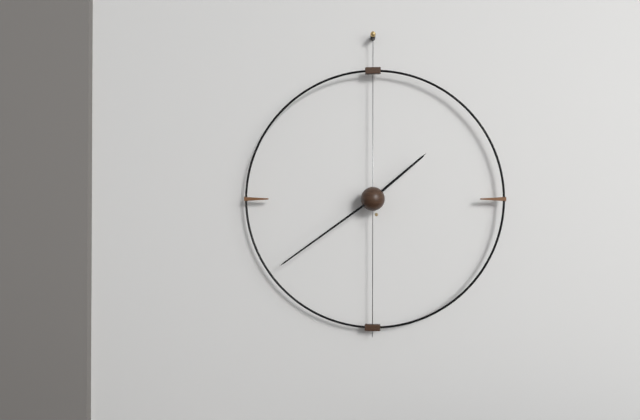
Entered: 1h39
